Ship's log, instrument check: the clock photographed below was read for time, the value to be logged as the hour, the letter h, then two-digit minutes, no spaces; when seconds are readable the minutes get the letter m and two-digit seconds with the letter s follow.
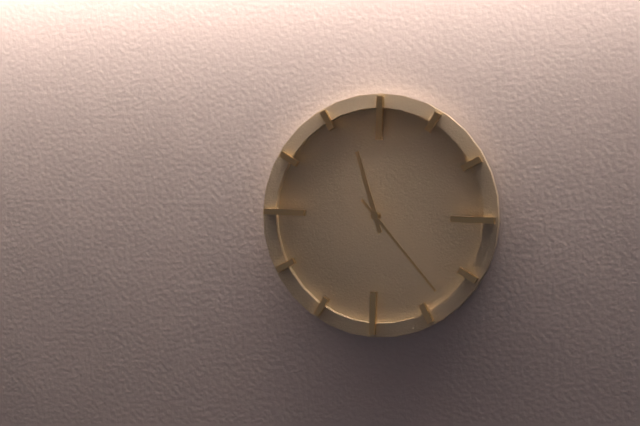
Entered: 11h23
